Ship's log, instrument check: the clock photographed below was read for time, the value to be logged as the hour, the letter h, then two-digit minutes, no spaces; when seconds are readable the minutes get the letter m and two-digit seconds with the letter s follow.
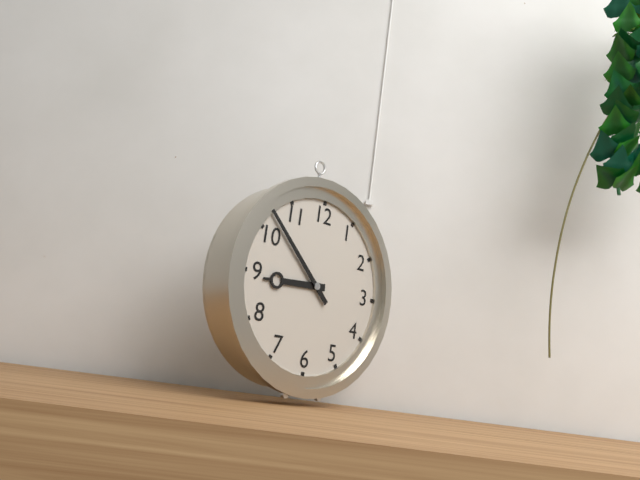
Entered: 8h52
